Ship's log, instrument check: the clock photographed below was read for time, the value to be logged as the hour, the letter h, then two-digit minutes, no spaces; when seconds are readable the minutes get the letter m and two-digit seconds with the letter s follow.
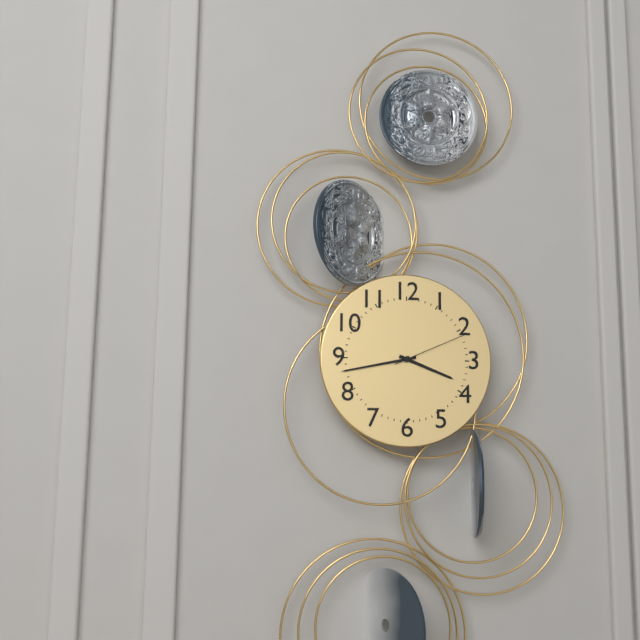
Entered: 3h43m11s
